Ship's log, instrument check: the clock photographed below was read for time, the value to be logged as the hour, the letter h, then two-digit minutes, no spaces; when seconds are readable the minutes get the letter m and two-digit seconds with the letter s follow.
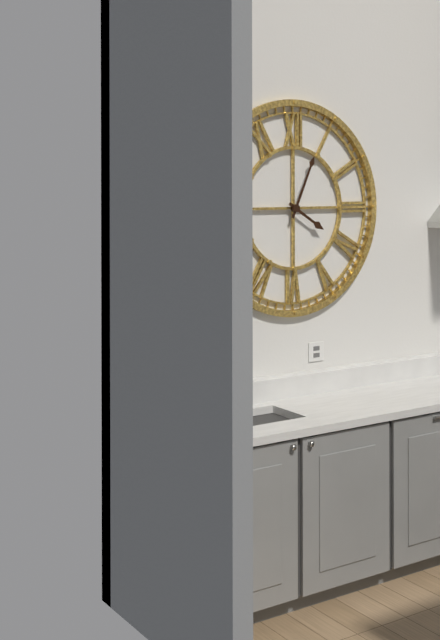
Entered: 4h04
